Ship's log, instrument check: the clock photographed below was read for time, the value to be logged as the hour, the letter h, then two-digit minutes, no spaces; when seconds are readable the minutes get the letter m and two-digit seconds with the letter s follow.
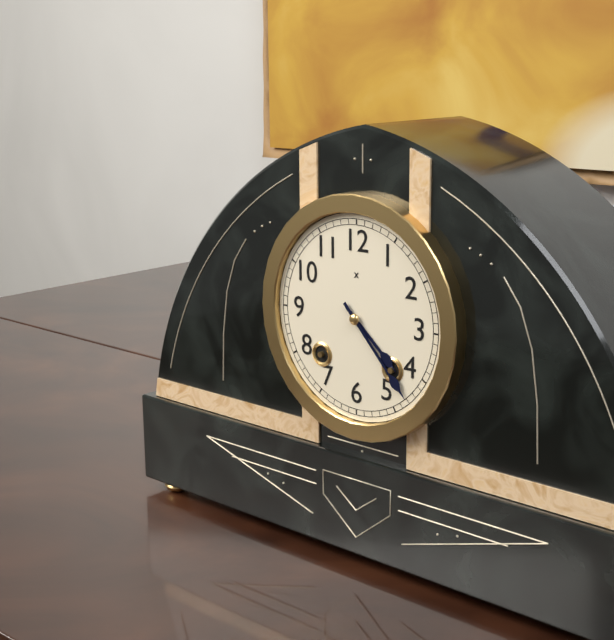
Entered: 4h23
